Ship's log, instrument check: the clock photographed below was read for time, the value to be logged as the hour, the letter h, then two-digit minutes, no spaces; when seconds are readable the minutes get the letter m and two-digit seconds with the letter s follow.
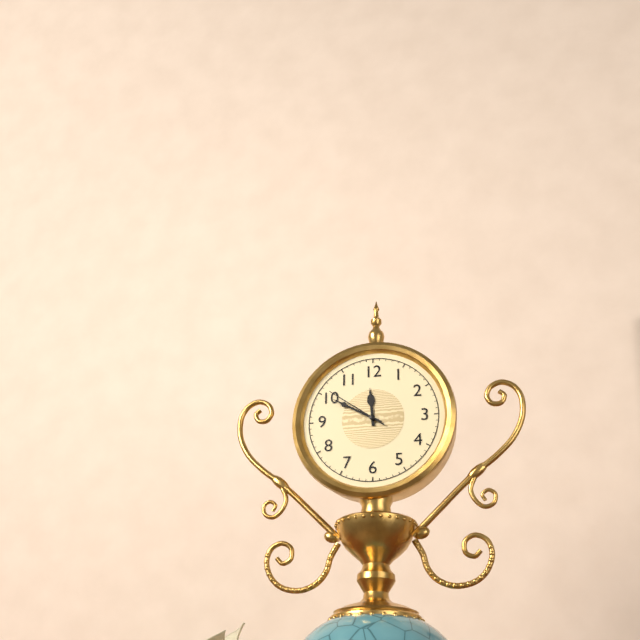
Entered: 11h50m51s
